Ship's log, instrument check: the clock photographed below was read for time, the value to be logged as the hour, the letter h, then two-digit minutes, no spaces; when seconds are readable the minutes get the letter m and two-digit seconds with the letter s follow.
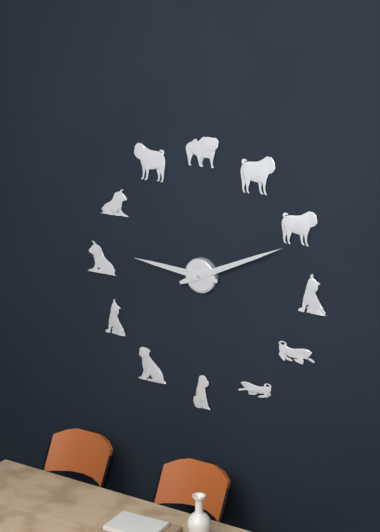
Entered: 9h11
